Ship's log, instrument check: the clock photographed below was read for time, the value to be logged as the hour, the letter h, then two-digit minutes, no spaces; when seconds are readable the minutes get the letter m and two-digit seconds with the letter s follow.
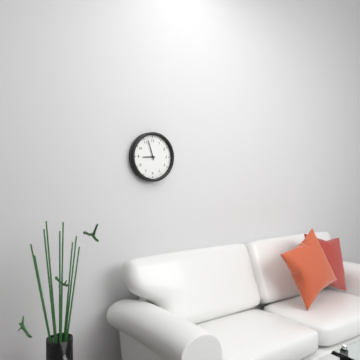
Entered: 8h57
